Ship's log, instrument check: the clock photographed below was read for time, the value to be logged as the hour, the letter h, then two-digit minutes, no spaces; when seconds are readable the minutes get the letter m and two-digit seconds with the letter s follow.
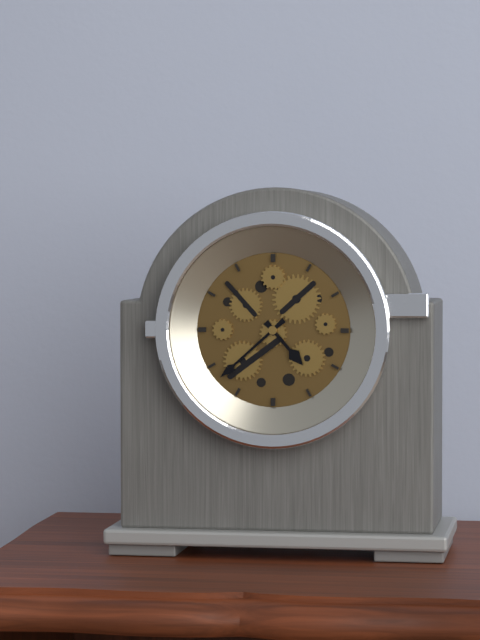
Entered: 4h38
